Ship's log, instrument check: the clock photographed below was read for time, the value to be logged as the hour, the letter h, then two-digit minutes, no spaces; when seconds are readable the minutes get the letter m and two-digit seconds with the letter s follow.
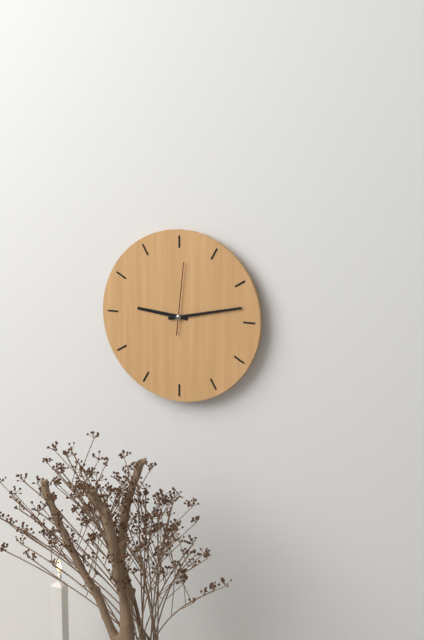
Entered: 9h13m01s
